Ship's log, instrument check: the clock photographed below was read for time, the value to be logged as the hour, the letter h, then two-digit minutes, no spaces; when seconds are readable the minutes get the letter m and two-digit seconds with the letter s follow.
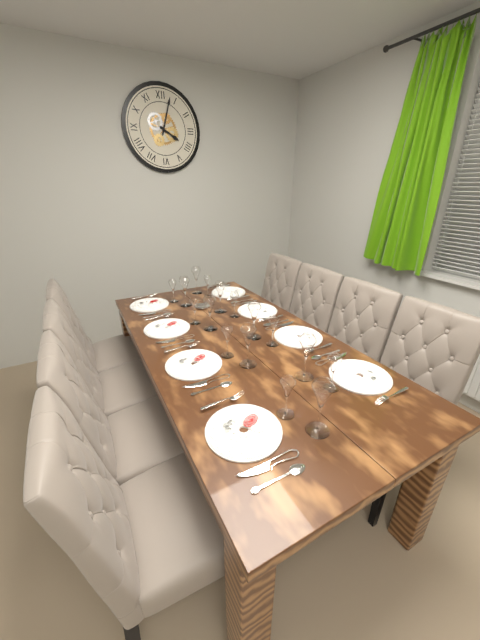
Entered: 4h03
